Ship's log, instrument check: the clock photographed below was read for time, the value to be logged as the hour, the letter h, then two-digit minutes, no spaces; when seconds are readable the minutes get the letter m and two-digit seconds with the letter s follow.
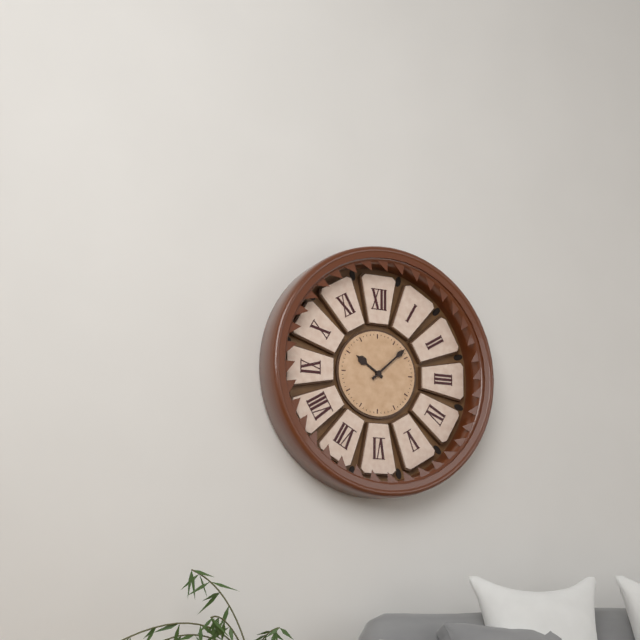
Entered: 10h08
